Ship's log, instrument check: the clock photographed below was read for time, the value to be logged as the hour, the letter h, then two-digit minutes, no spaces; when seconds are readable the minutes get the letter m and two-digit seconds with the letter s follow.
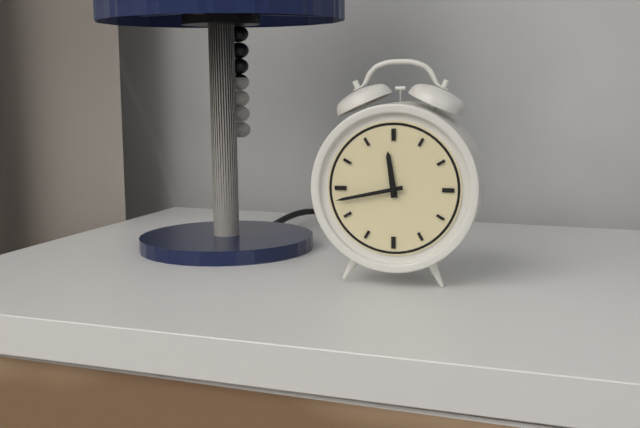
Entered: 11h43
